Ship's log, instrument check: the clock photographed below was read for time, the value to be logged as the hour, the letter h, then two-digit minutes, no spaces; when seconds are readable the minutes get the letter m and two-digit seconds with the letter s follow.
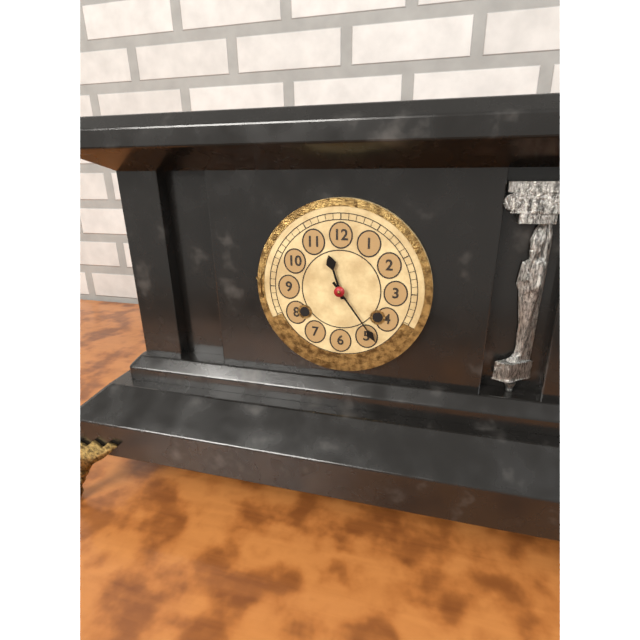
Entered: 11h24
